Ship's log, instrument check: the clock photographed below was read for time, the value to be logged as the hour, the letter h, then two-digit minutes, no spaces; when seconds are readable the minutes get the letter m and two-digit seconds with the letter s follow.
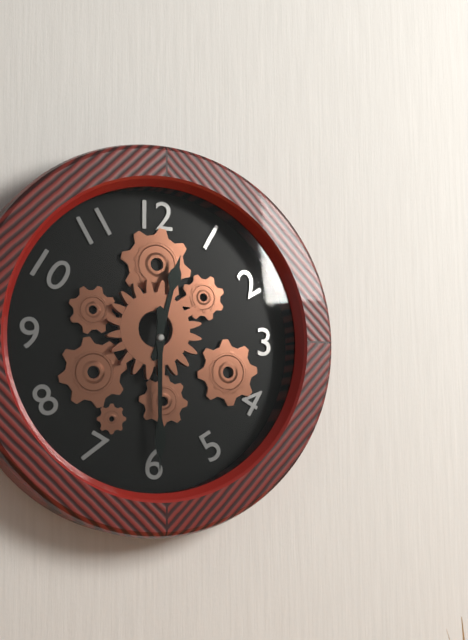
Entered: 12h30
